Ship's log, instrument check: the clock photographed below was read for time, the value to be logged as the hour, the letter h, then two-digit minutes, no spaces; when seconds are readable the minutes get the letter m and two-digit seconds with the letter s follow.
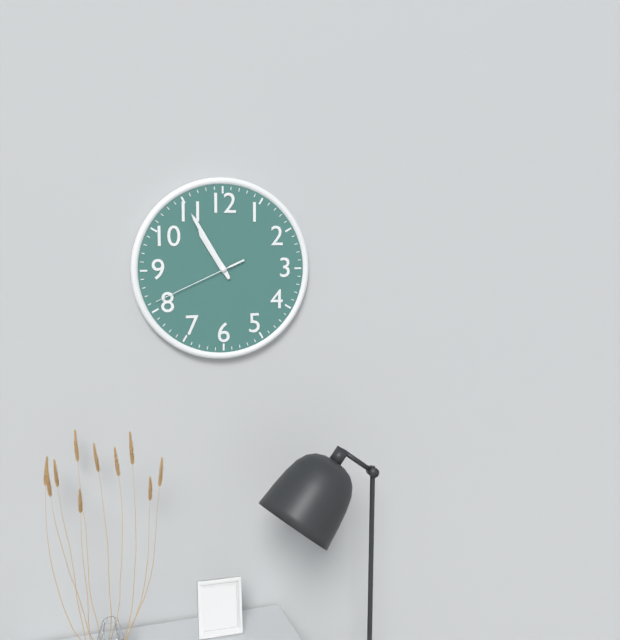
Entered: 10h55m41s
